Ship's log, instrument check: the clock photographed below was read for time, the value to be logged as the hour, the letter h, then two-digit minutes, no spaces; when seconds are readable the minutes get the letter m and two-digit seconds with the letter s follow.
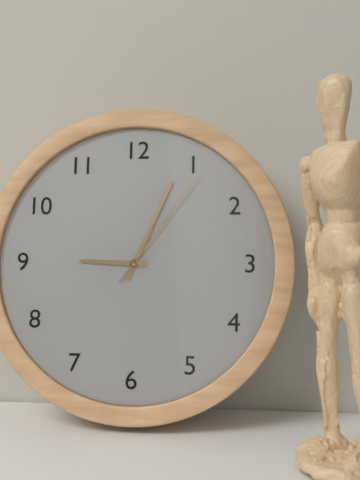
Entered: 9h04m06s
